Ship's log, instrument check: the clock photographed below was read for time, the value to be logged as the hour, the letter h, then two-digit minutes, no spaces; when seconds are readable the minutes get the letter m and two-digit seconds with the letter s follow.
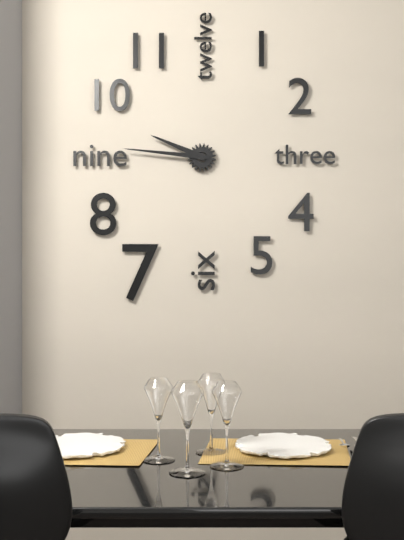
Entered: 9h46
